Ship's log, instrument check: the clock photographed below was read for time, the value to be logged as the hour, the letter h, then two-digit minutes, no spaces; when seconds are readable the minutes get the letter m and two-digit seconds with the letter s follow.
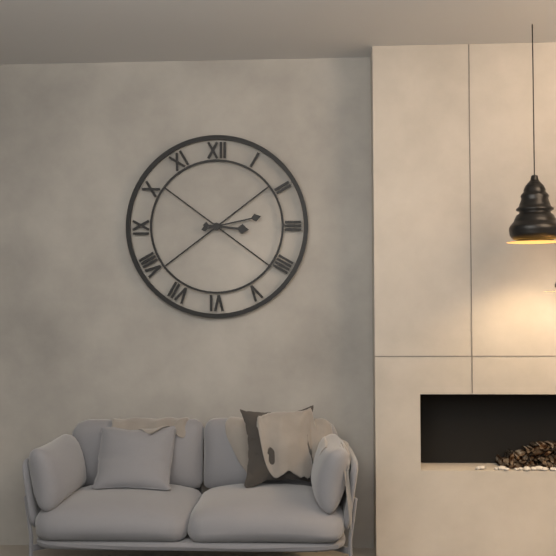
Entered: 3h13
